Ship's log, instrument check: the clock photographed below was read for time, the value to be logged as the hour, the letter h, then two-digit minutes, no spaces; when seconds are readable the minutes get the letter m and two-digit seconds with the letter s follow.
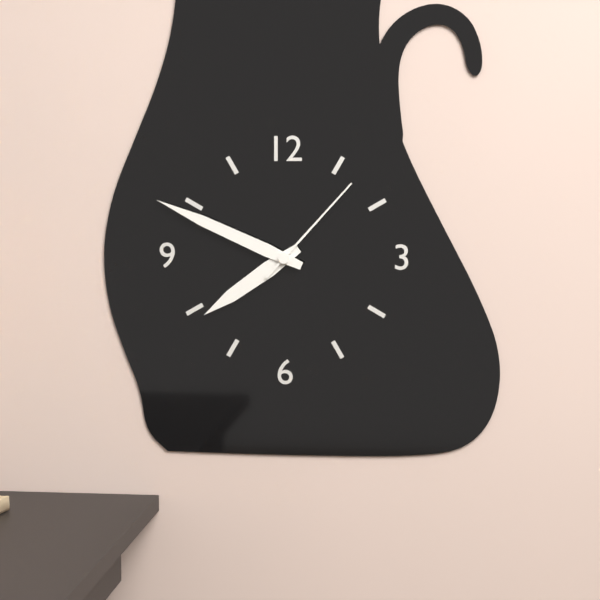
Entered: 7h49m07s
